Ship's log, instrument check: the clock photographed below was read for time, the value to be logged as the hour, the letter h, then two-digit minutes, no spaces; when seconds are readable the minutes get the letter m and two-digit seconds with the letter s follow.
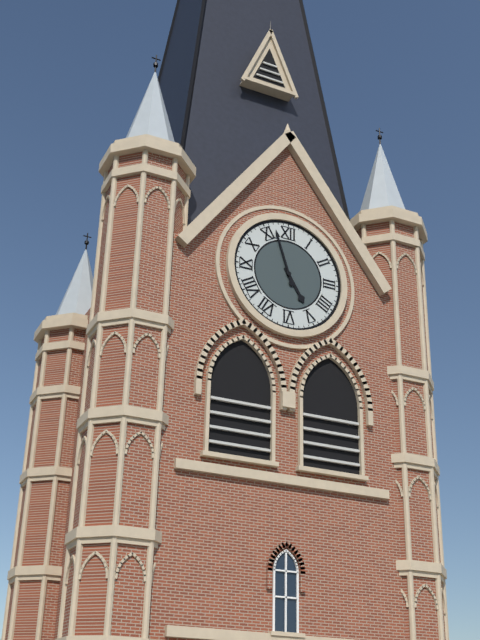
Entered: 4h57
